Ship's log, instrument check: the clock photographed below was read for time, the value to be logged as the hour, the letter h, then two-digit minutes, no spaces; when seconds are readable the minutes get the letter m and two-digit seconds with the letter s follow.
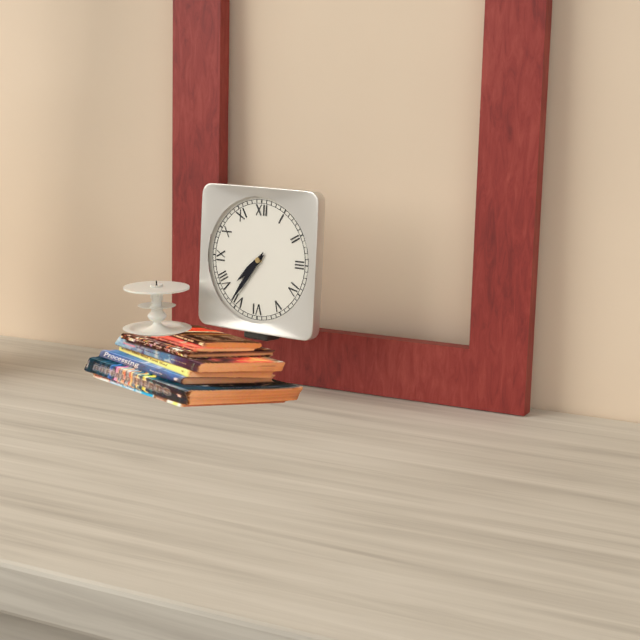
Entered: 7h36
